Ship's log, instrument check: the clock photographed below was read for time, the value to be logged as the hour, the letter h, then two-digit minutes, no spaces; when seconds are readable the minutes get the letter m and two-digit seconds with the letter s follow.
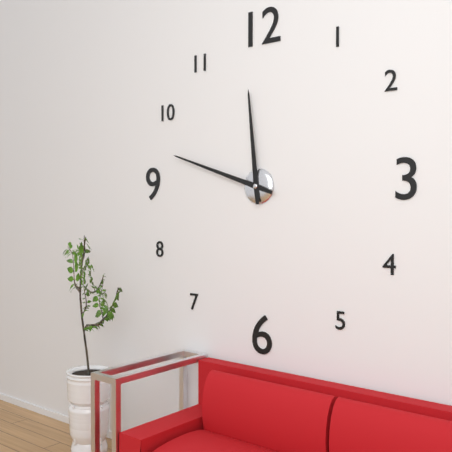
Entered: 11h48
